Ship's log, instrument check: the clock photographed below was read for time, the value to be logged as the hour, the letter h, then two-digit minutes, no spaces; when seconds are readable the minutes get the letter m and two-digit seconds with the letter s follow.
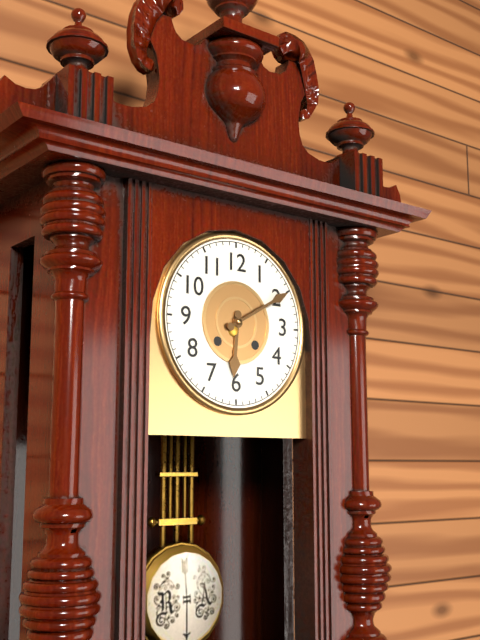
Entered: 6h10
